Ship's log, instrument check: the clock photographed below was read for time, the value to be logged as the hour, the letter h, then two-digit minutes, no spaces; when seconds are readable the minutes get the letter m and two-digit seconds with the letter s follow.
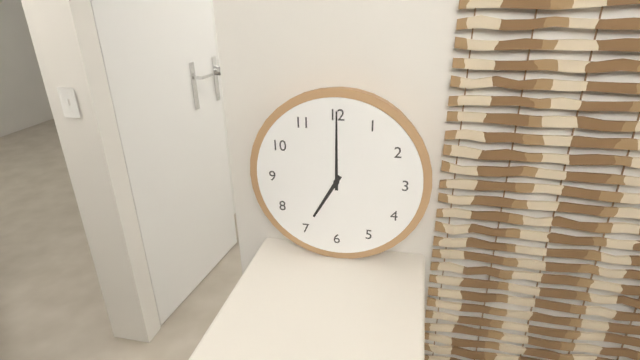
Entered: 7h00
